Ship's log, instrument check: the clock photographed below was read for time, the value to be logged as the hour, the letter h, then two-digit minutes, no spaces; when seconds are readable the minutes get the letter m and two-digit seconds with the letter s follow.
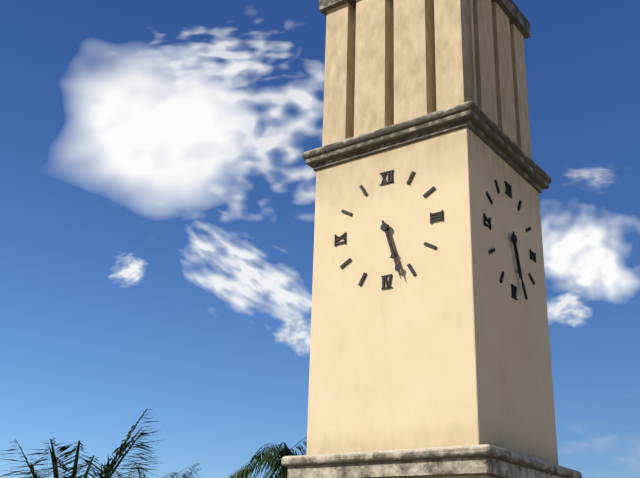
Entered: 5h27
